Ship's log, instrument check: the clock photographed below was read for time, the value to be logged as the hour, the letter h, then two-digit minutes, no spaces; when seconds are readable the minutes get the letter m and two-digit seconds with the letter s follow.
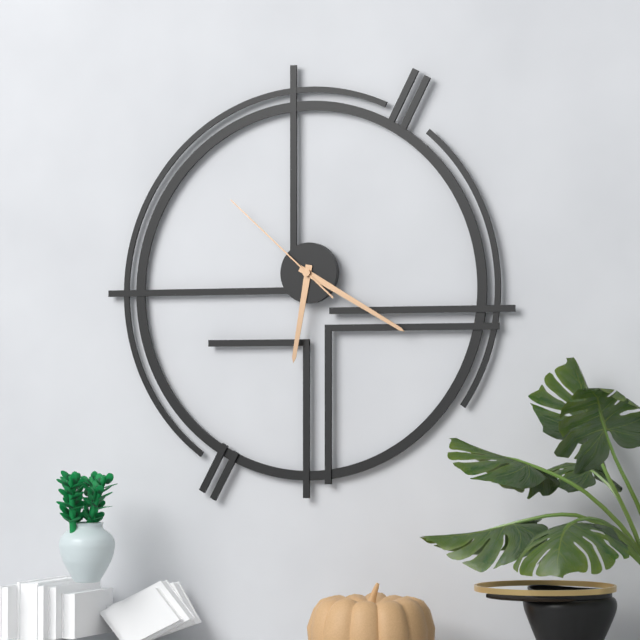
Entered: 6h20m52s
